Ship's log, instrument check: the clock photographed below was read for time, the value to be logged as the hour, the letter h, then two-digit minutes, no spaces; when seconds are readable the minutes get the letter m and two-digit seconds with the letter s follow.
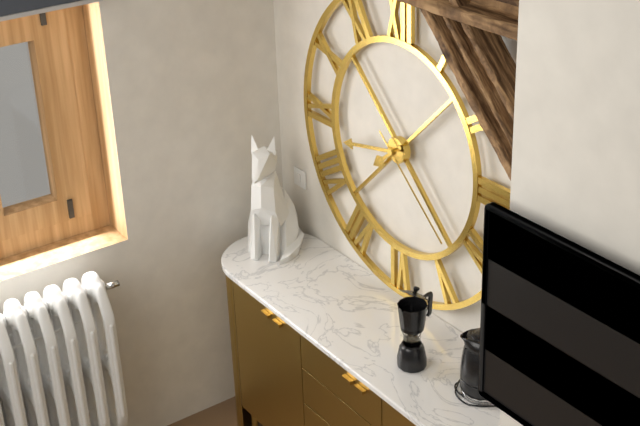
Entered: 7h43m22s
